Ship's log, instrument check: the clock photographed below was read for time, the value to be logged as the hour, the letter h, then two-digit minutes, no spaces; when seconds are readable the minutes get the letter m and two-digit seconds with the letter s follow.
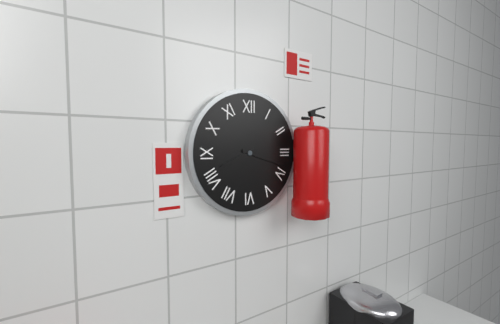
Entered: 8h18
